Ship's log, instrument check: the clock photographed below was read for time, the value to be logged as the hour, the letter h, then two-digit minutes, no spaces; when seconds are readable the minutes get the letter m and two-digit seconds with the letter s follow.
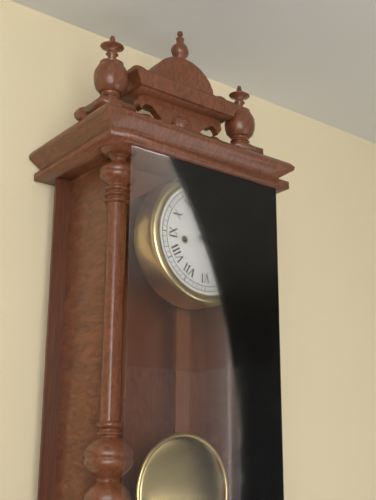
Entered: 11h15
